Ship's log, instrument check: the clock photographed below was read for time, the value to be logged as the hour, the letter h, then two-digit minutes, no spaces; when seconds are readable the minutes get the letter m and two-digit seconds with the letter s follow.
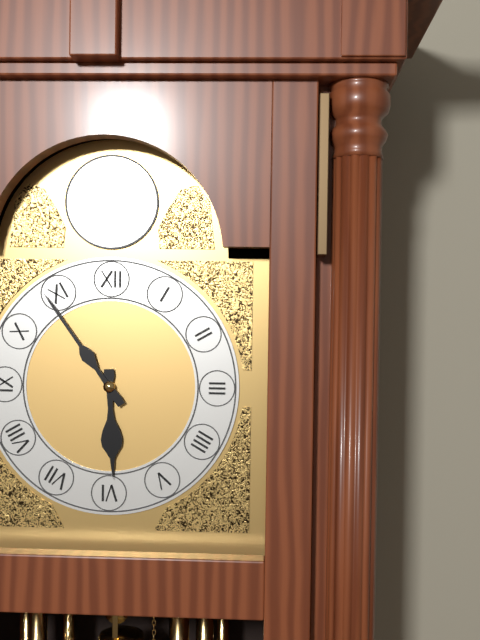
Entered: 5h54
